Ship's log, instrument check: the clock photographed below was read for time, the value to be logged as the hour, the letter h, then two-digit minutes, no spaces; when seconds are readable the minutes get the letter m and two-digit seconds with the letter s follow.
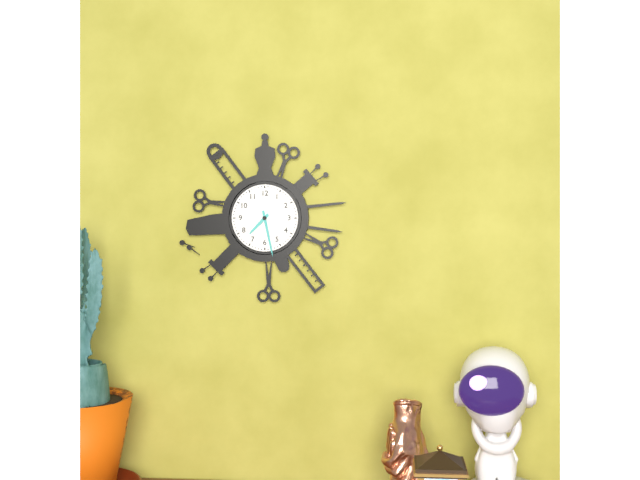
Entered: 7h28
